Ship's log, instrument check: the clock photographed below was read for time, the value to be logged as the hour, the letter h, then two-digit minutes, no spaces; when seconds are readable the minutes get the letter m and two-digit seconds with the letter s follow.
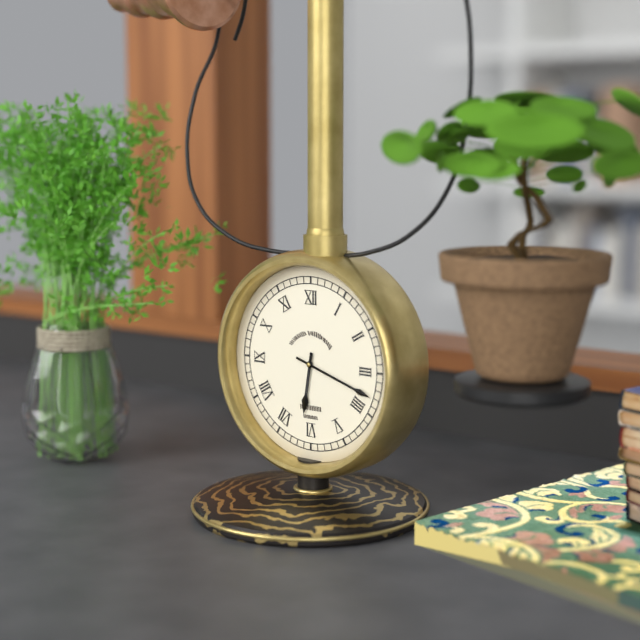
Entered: 6h18
